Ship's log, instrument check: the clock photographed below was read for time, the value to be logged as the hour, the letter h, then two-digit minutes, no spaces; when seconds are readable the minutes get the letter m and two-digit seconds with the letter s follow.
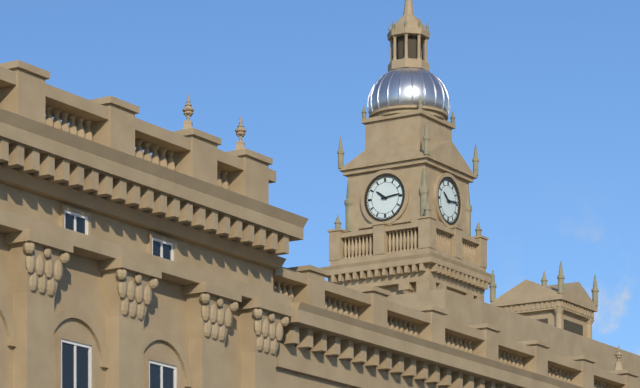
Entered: 10h14
